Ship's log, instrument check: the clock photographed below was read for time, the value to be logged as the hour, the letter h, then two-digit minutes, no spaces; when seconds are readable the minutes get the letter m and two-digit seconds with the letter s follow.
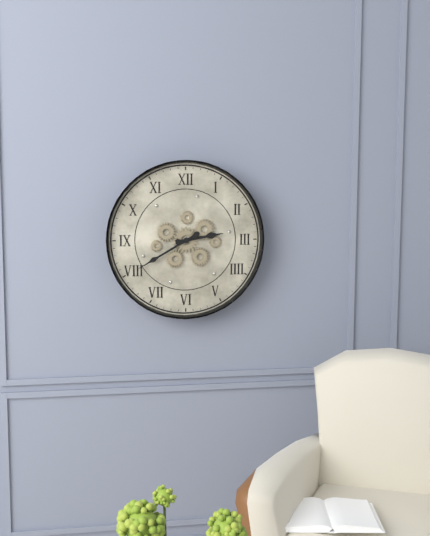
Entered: 2h40
